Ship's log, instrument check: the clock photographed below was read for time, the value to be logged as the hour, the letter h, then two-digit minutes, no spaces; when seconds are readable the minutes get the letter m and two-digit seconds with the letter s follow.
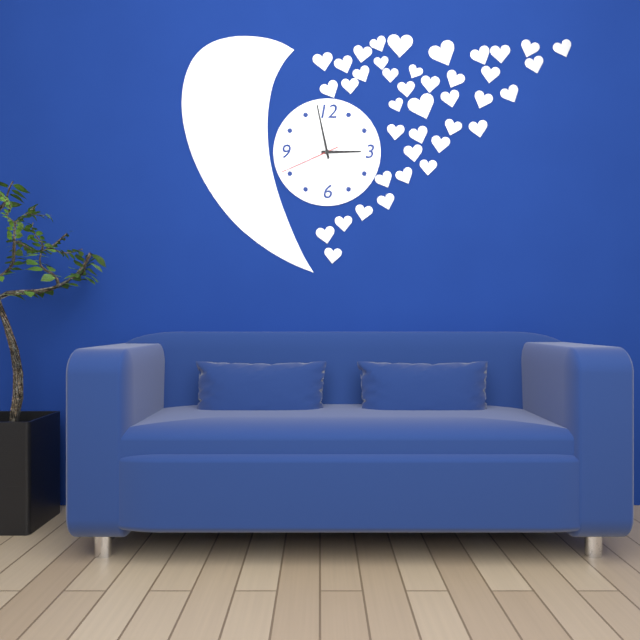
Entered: 2h58m41s
